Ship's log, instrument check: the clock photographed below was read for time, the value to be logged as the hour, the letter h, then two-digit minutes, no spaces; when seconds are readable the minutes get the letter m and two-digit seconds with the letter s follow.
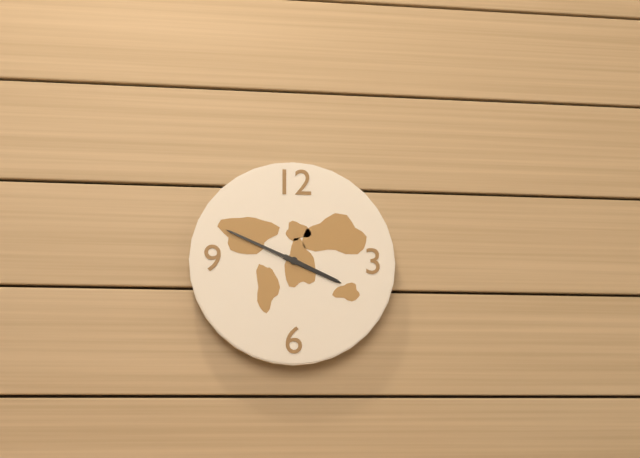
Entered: 3h49
